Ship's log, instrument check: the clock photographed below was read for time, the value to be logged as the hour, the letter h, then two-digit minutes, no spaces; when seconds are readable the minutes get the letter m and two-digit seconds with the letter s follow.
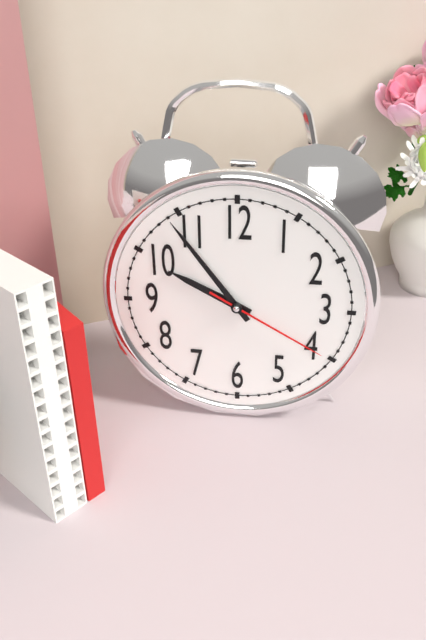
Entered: 9h54m20s
